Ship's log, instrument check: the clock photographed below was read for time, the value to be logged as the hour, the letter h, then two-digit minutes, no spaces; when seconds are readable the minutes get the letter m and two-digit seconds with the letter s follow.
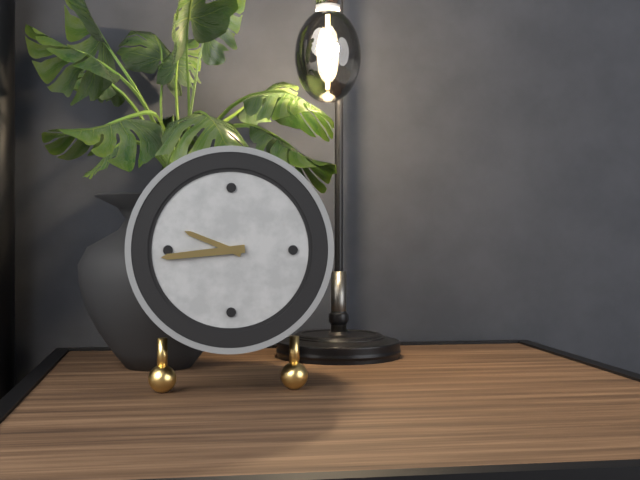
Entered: 9h44
